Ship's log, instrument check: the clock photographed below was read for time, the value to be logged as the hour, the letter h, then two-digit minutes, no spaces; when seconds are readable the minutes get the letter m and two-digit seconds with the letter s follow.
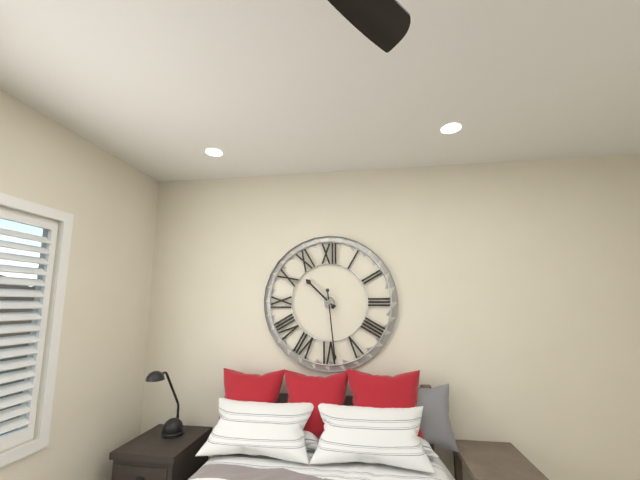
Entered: 10h29
